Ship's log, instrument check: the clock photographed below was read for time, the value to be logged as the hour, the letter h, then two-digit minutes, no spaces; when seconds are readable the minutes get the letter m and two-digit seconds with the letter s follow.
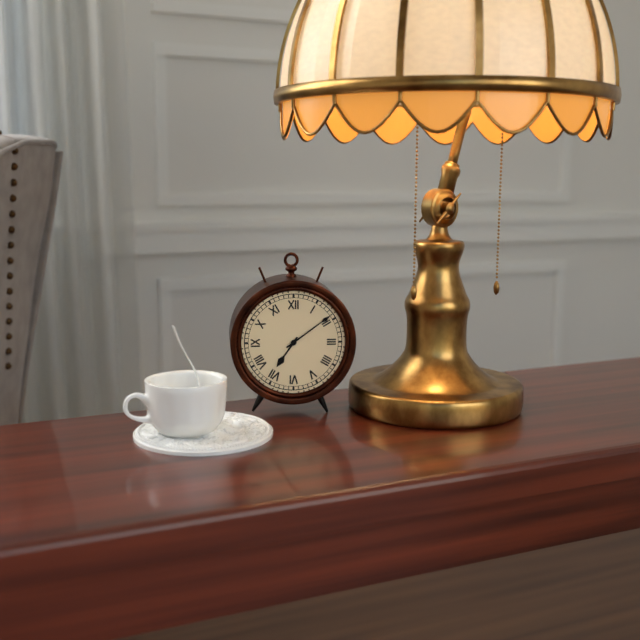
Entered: 7h09
